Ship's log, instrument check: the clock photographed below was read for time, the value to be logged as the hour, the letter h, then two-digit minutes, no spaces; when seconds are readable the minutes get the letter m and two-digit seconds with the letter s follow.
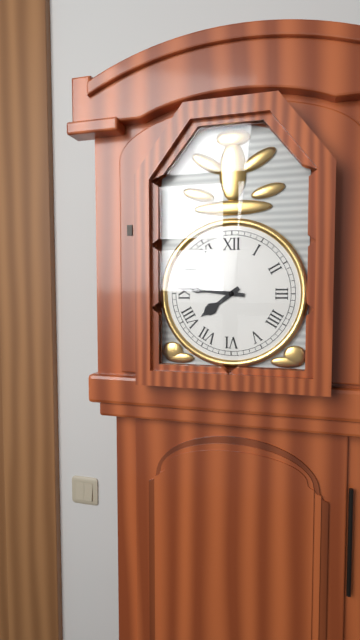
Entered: 7h46
